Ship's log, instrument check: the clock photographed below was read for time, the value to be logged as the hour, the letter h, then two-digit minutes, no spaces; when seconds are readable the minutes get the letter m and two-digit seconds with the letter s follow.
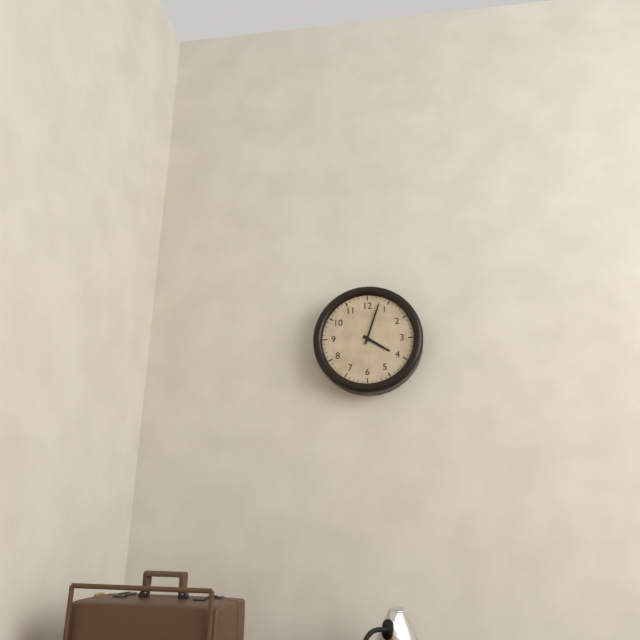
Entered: 4h03
